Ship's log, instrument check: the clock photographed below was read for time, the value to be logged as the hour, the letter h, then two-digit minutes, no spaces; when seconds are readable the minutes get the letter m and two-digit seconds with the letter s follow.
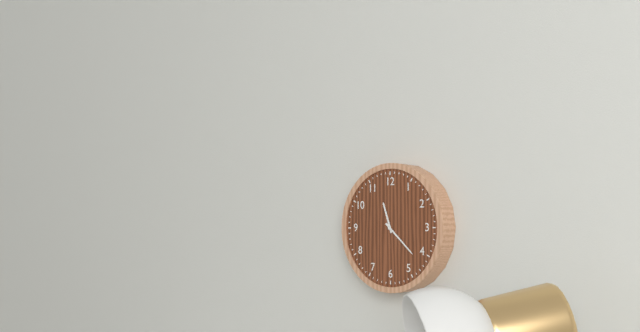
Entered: 11h22
